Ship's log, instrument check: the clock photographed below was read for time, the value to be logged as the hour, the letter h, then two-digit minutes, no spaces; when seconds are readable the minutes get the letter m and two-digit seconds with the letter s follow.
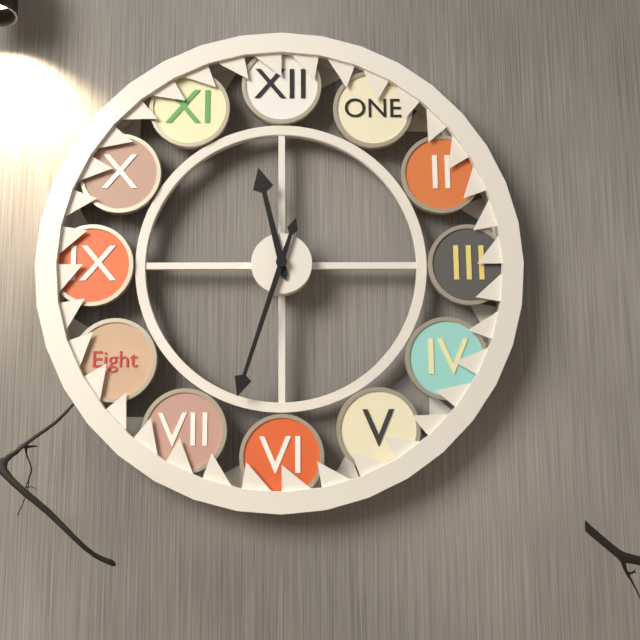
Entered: 11h33
